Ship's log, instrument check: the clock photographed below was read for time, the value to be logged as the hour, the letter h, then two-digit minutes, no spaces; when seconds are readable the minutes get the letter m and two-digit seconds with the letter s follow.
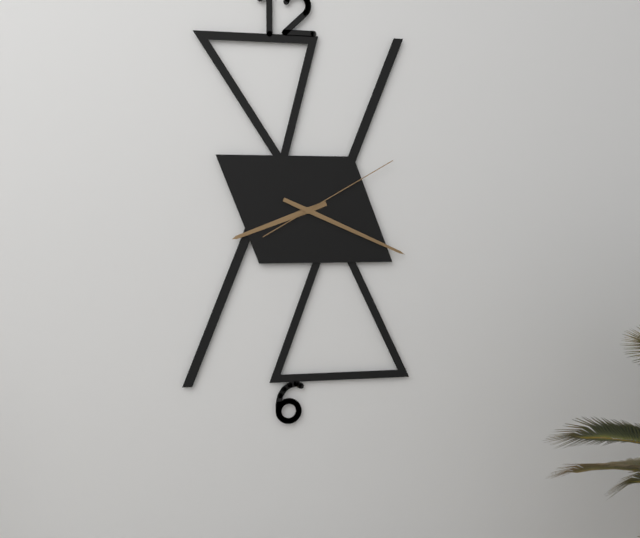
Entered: 8h19m10s
